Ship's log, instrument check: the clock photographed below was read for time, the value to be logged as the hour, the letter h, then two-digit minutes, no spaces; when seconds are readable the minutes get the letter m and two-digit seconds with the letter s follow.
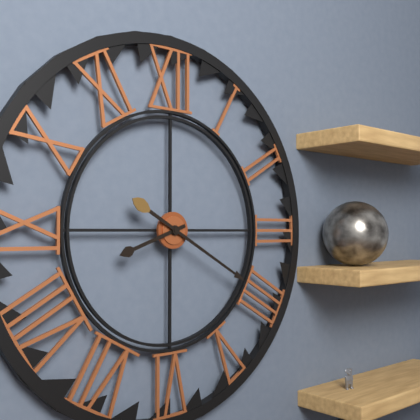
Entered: 8h20
